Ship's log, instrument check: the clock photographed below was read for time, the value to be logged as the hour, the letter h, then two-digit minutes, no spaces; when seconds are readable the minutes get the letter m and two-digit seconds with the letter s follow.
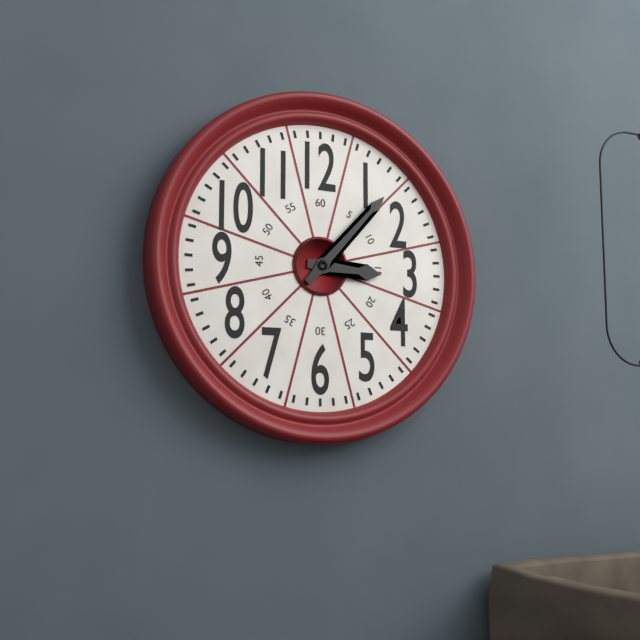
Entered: 3h07
